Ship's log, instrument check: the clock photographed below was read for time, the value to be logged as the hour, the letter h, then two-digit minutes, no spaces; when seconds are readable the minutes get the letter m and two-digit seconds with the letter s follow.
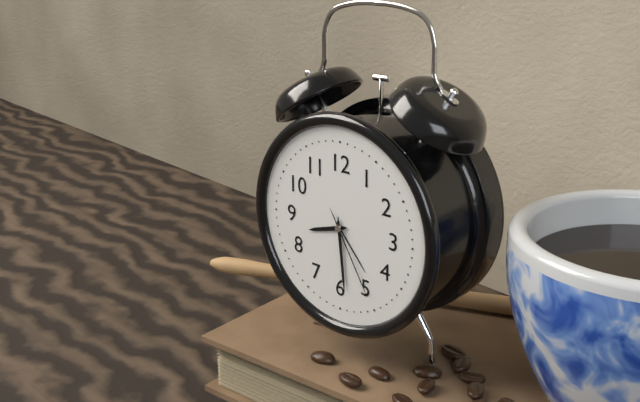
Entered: 8h29m25s
